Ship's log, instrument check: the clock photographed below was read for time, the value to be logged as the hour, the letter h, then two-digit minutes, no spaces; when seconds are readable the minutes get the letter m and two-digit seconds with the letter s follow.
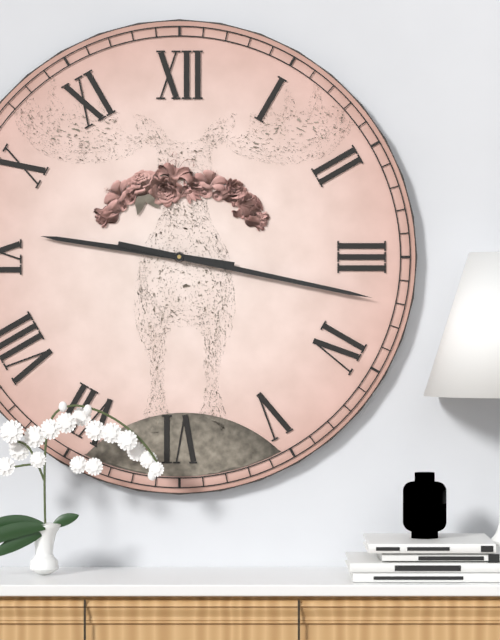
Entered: 9h17
